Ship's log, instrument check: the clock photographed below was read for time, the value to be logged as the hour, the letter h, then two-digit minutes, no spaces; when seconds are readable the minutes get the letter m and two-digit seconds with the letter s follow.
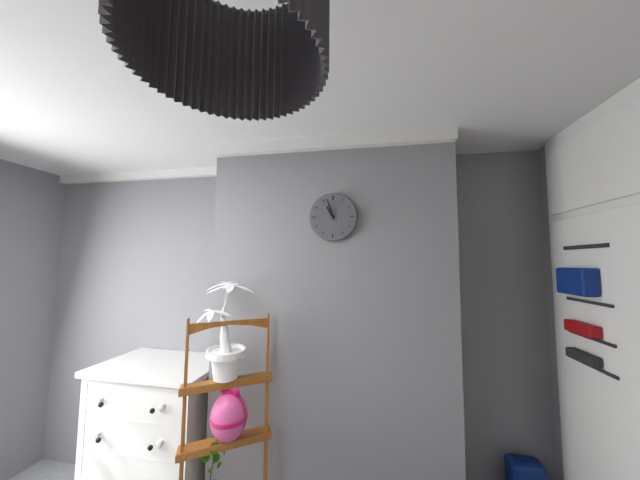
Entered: 10h57
